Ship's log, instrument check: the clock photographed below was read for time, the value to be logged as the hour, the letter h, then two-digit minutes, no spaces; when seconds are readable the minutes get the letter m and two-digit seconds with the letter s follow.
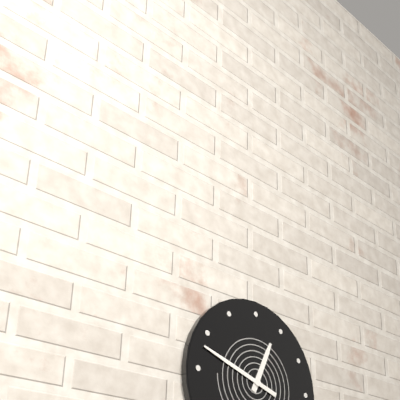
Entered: 12h48
